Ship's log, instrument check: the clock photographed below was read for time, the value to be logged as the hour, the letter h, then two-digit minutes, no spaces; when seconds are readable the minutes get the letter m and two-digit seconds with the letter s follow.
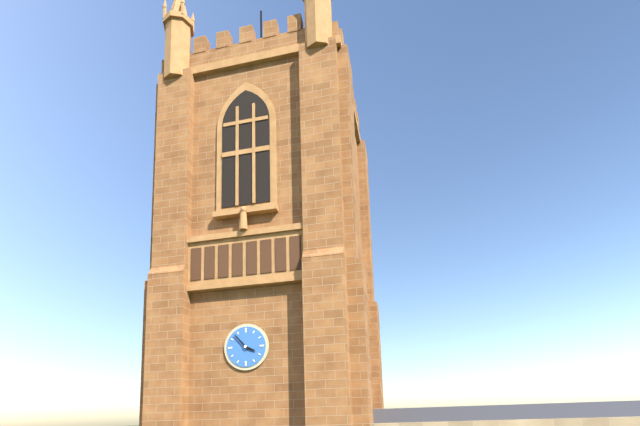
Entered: 3h53
